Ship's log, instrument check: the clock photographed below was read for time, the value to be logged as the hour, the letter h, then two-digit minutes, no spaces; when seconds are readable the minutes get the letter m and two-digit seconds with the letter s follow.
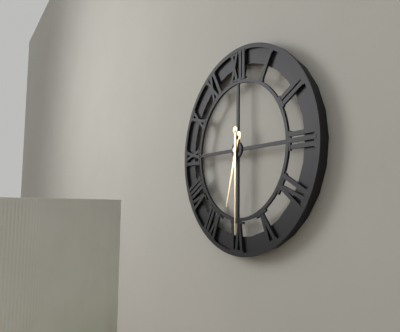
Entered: 6h30
